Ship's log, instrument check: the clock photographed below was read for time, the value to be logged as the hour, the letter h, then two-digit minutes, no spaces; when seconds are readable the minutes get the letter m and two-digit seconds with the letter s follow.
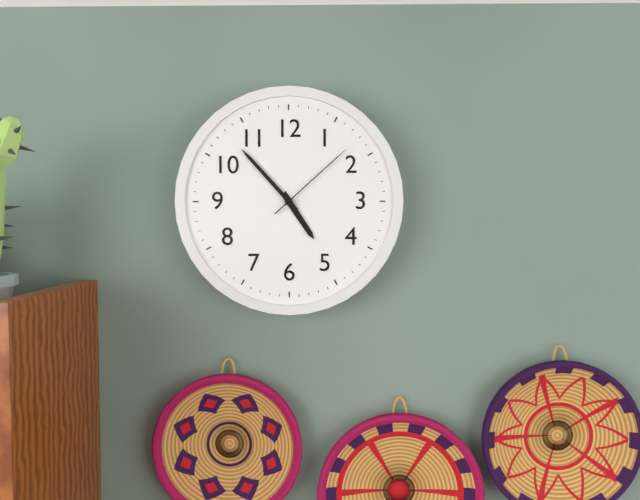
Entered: 4h53m08s
